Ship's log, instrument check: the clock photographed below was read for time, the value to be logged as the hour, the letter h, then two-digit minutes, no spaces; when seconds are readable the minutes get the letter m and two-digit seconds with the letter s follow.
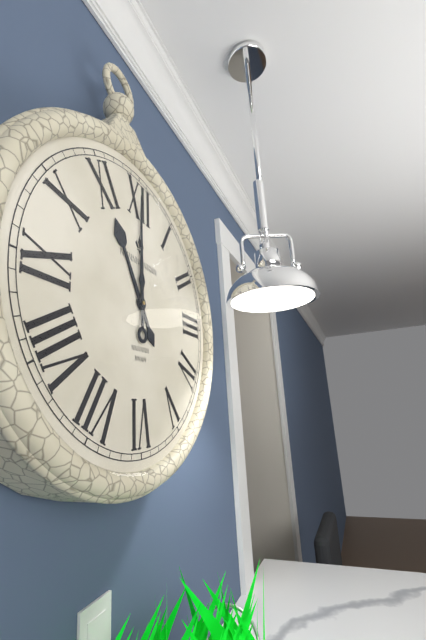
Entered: 11h00
